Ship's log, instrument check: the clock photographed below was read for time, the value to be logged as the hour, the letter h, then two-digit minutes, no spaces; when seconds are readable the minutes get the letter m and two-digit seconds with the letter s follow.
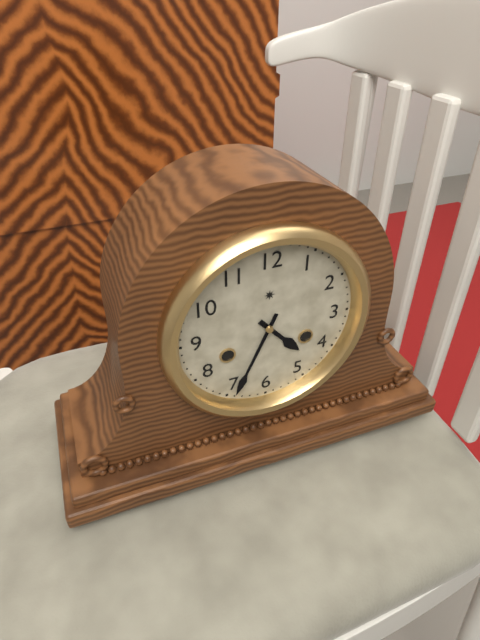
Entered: 4h34
